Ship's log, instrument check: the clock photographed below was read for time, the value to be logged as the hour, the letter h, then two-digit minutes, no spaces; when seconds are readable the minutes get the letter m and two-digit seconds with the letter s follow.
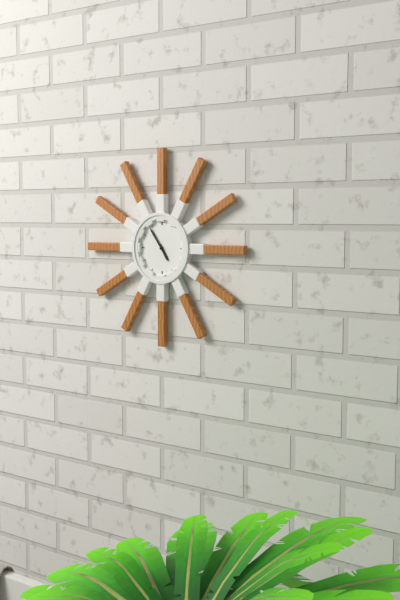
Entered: 4h54
